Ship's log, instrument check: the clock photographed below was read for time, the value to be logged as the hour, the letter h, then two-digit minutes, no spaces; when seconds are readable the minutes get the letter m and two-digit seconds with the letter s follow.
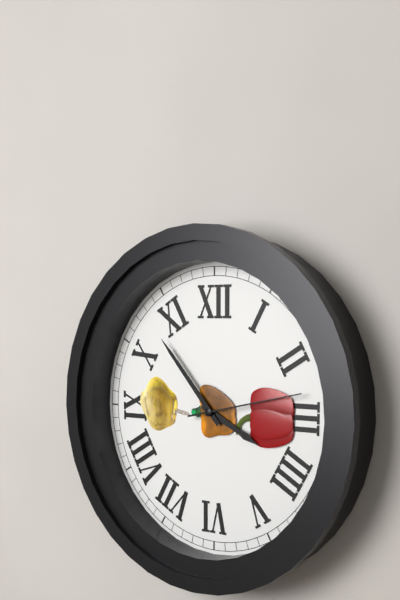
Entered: 3h53m13s
